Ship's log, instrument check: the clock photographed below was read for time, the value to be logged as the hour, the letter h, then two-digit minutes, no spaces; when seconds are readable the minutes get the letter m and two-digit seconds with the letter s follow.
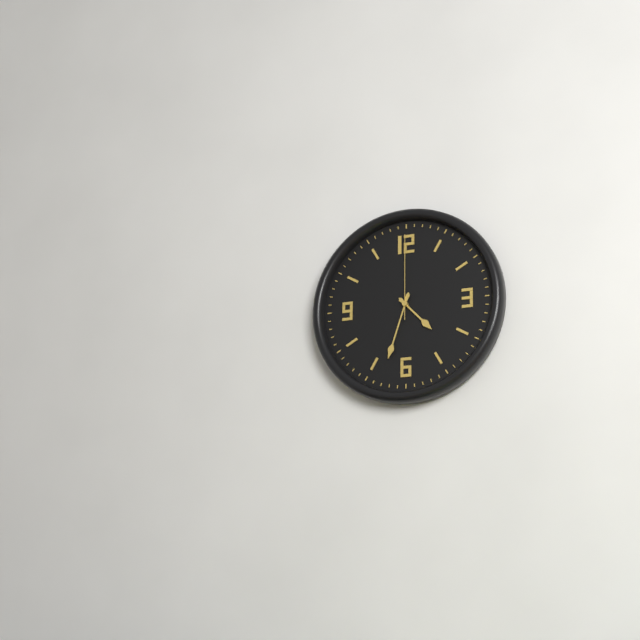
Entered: 4h33m00s
